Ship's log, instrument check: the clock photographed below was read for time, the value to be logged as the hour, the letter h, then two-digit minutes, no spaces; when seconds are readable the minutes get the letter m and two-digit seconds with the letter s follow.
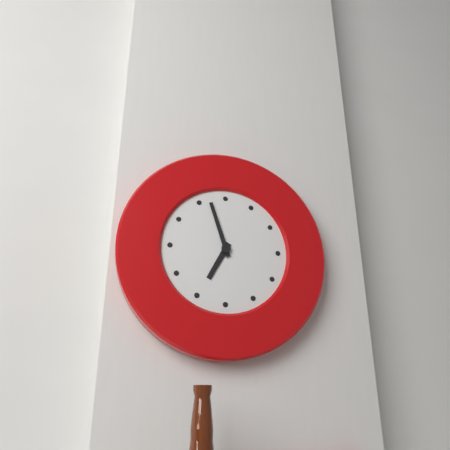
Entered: 6h57
